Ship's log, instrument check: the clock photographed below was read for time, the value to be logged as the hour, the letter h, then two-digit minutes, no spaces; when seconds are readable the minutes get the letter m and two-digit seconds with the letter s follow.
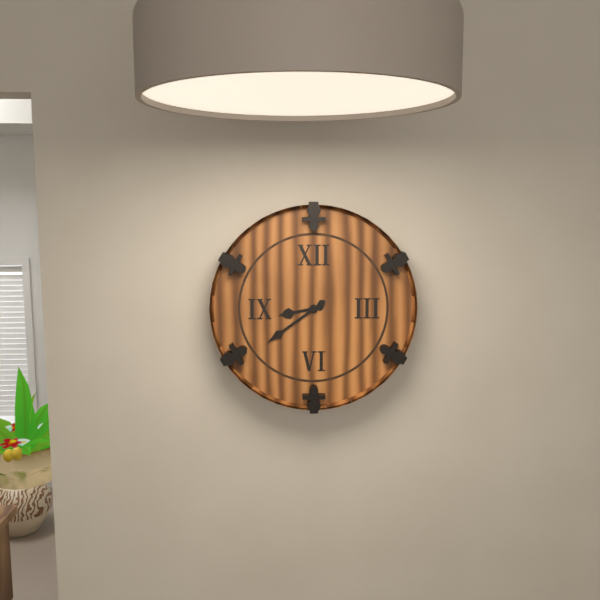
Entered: 8h39
